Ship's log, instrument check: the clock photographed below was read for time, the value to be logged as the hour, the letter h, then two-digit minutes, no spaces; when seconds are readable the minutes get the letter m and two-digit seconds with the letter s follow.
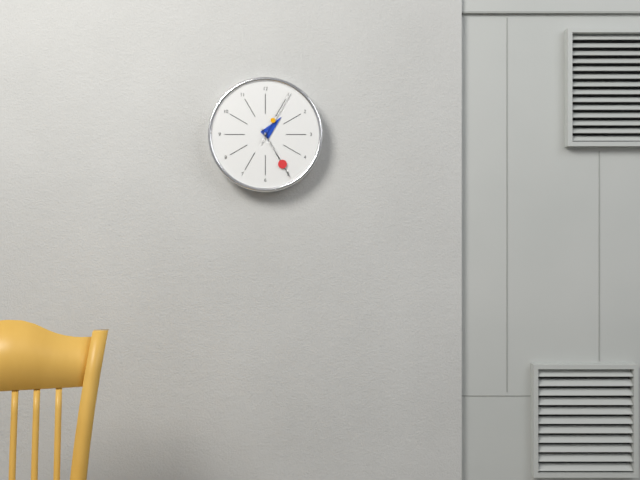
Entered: 1h25m05s
